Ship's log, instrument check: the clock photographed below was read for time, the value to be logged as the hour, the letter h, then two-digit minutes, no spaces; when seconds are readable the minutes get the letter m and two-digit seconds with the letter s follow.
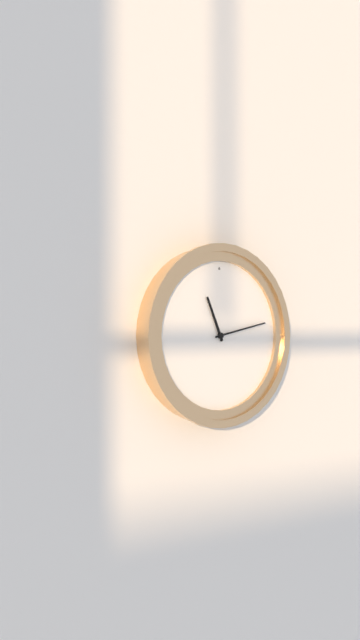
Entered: 11h13
